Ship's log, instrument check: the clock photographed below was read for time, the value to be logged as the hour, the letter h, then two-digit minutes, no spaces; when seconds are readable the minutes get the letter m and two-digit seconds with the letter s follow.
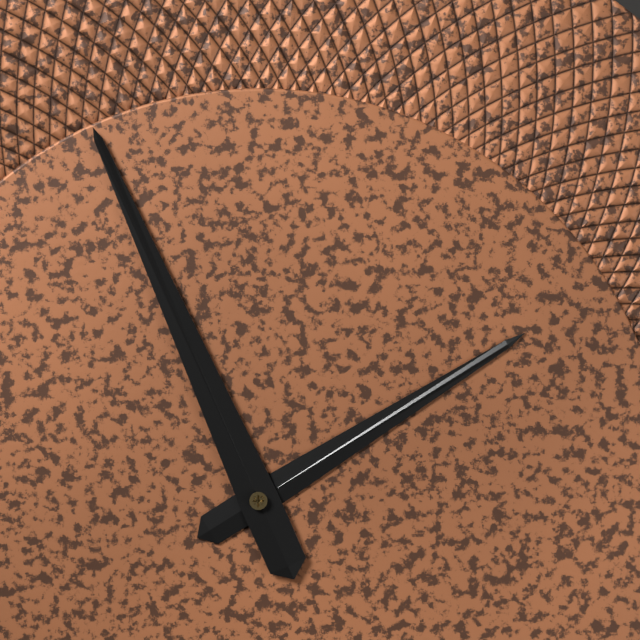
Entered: 1h56
